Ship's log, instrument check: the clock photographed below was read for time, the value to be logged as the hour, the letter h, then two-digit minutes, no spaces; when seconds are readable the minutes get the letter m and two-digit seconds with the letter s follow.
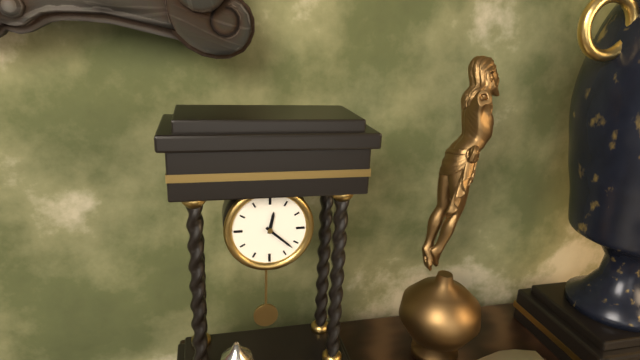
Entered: 12h22
